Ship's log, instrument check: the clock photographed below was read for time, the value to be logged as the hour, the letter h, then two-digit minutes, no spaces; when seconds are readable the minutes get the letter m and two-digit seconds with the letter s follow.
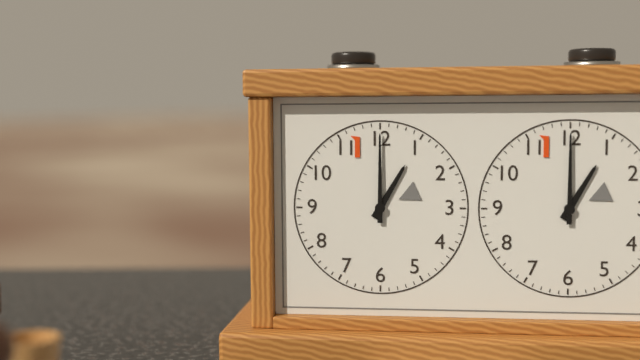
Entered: 1h00
